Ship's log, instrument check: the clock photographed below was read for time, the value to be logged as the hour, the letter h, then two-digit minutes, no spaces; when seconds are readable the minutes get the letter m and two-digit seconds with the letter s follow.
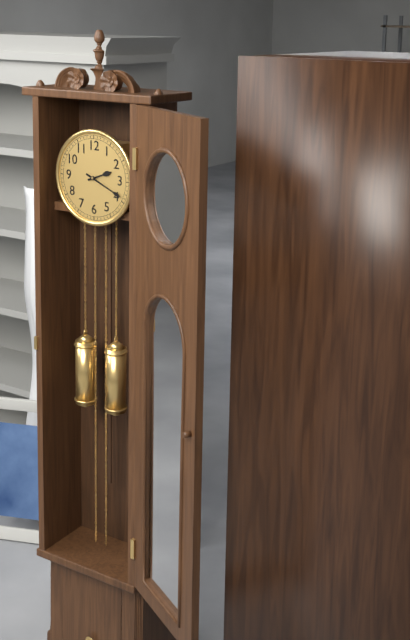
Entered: 2h19
